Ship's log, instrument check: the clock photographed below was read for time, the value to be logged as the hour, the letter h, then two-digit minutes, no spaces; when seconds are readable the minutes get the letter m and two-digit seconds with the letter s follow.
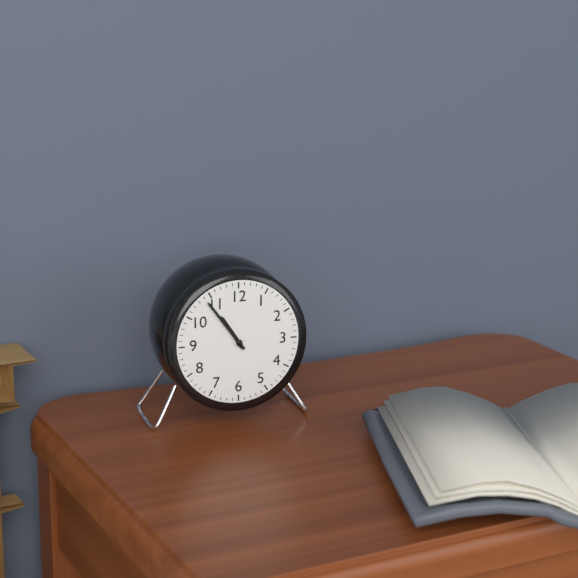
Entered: 10h54
